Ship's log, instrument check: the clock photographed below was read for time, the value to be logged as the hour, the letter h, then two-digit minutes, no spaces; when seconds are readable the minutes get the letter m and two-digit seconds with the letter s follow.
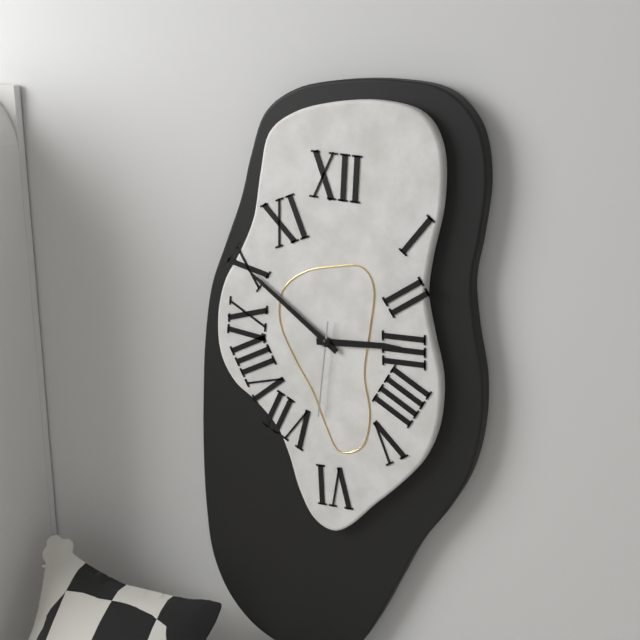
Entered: 2h51m31s
